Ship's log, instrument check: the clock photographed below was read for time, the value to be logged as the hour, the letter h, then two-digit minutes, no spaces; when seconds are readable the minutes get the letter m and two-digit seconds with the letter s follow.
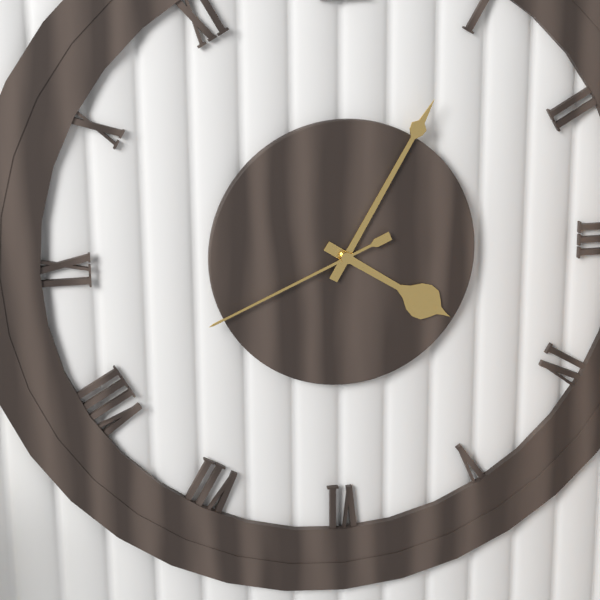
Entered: 4h05m41s
